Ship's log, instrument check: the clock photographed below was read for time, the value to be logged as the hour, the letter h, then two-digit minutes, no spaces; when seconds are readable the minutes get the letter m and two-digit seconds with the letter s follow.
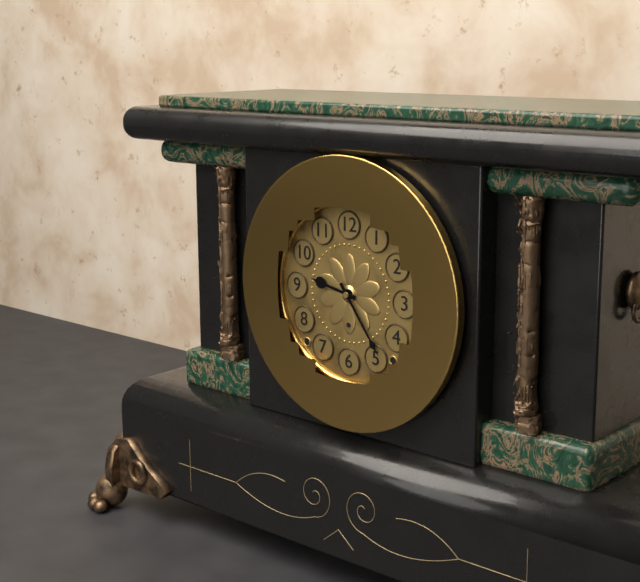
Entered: 9h24
